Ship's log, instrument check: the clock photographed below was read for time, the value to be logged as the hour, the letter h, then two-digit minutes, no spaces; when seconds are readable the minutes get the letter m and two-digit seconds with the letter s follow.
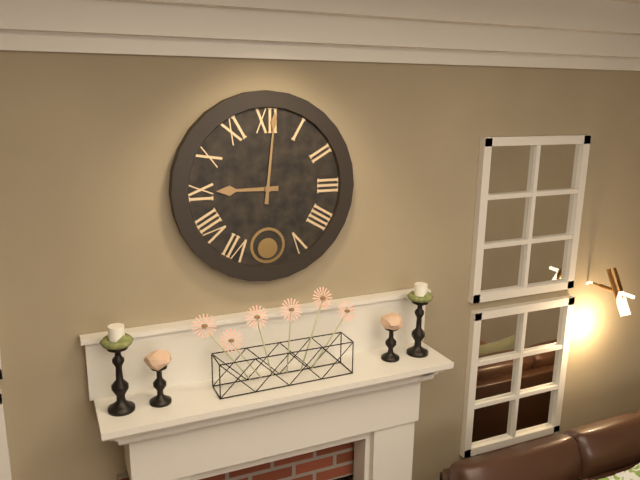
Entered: 9h01
